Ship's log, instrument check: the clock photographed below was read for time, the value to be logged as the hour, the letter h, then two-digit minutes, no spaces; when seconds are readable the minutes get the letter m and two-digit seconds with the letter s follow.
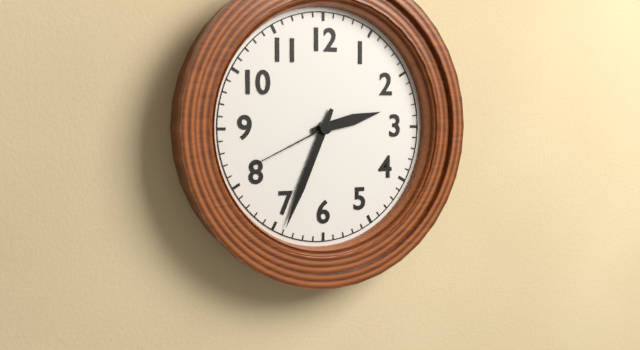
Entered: 2h34m41s
